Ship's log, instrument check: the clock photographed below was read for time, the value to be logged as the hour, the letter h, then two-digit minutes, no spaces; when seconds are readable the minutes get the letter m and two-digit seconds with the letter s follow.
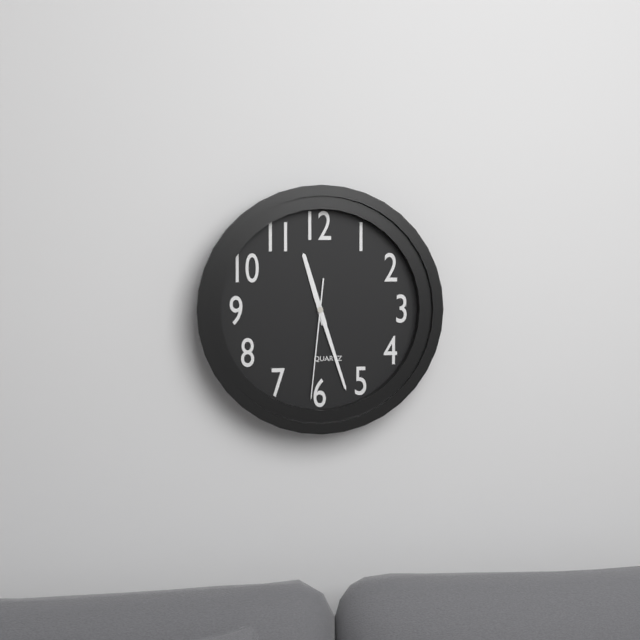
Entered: 11h27m31s
